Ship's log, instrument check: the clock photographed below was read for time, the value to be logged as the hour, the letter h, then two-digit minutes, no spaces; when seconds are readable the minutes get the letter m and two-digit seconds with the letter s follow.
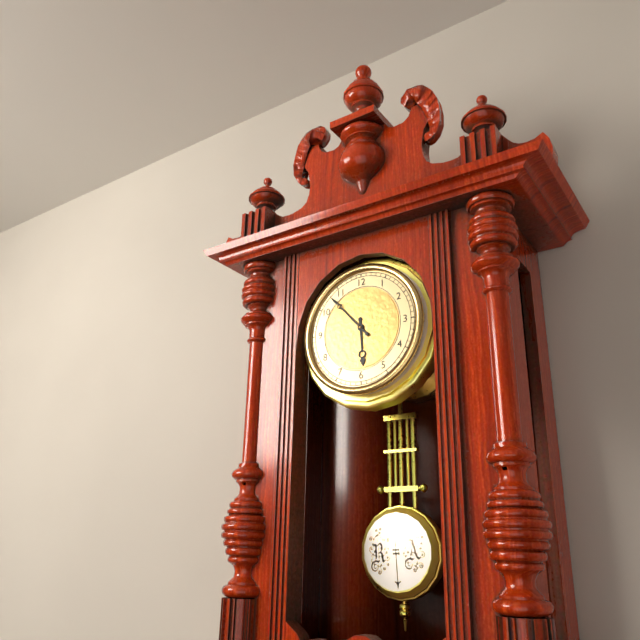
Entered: 5h53
